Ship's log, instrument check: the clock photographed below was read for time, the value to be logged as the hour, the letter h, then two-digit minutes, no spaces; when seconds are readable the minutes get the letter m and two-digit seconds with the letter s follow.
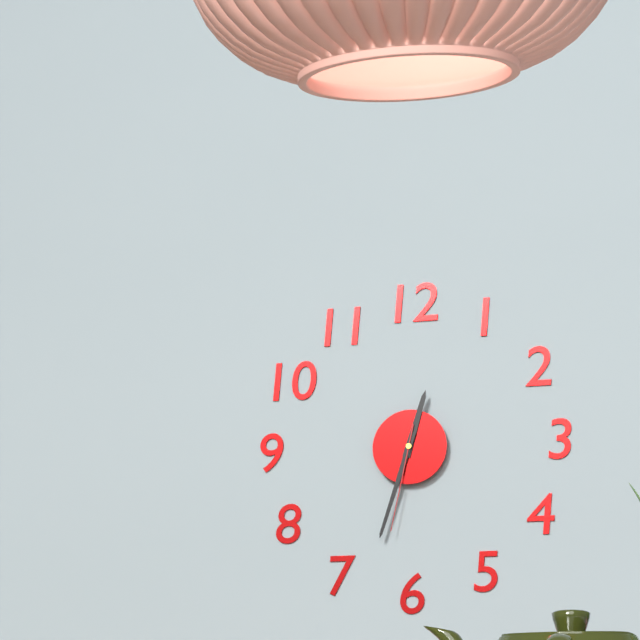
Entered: 12h33m32s
